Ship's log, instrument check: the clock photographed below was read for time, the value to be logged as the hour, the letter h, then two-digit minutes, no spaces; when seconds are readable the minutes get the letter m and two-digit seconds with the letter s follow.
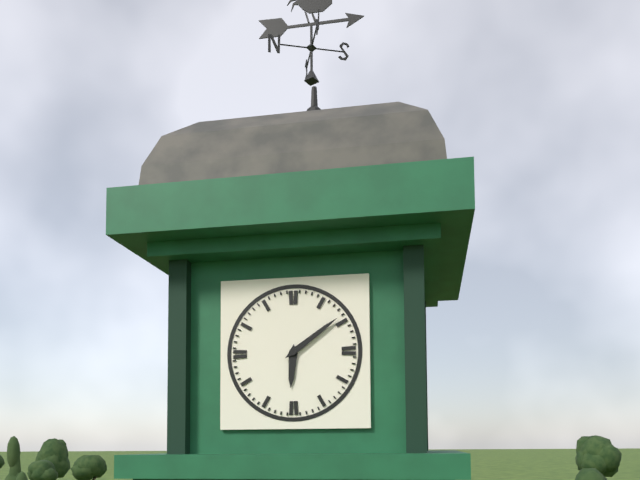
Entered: 6h09
